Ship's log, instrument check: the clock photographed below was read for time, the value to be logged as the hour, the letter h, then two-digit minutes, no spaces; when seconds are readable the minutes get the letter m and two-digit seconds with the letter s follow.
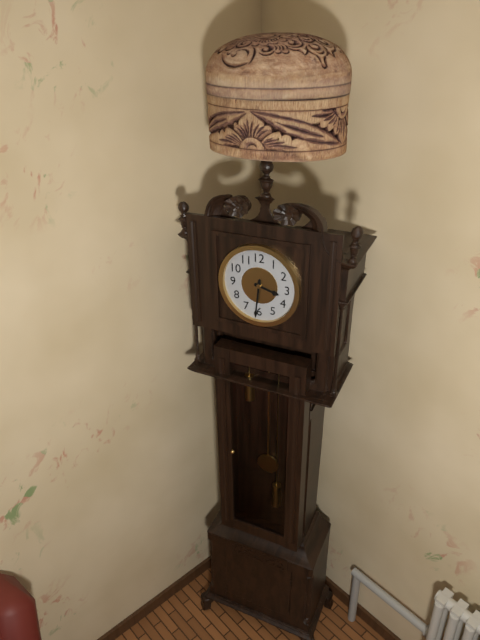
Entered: 3h31
